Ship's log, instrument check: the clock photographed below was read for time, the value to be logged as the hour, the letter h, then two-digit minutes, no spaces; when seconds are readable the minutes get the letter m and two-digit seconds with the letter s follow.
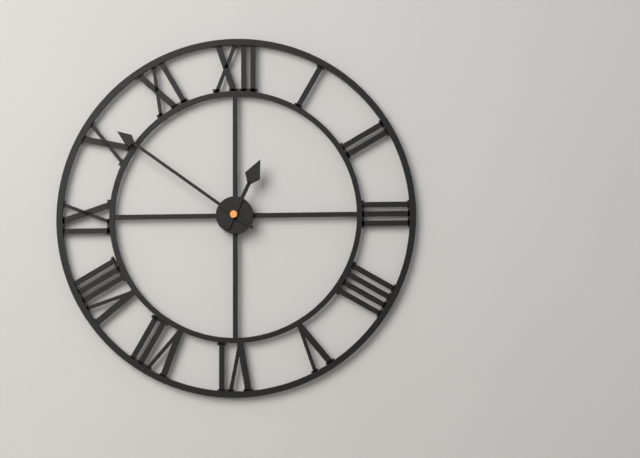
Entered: 12h51
